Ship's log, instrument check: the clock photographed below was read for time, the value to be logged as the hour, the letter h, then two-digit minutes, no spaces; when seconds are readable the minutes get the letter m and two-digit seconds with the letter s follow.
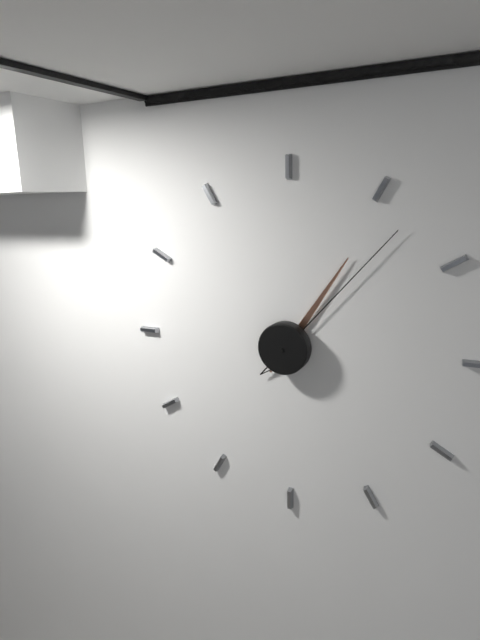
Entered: 1h07
